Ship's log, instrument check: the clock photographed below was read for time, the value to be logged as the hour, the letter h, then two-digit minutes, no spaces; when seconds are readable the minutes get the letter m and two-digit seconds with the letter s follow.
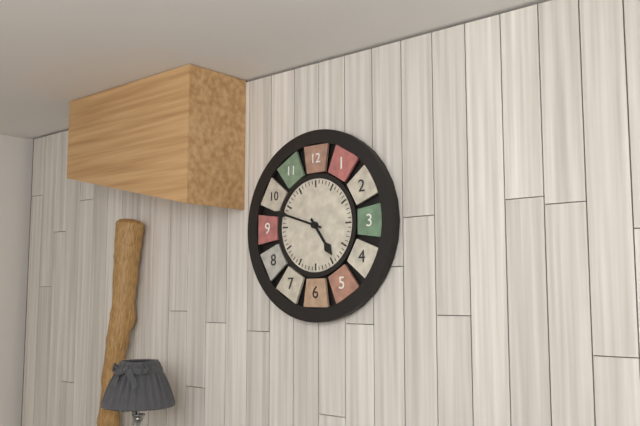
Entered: 4h48
